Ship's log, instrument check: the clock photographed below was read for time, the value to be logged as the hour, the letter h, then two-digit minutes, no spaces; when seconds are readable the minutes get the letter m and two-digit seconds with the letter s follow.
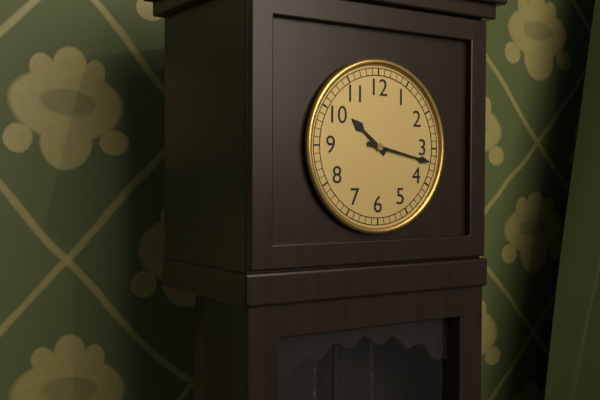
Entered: 10h17
